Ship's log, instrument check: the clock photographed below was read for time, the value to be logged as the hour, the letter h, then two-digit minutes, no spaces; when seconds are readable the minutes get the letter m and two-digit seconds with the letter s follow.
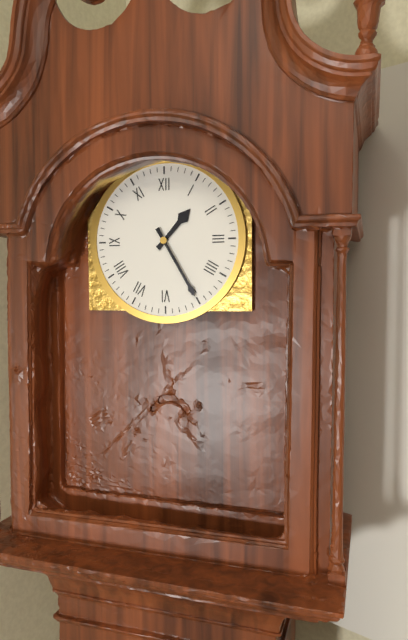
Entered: 1h25
